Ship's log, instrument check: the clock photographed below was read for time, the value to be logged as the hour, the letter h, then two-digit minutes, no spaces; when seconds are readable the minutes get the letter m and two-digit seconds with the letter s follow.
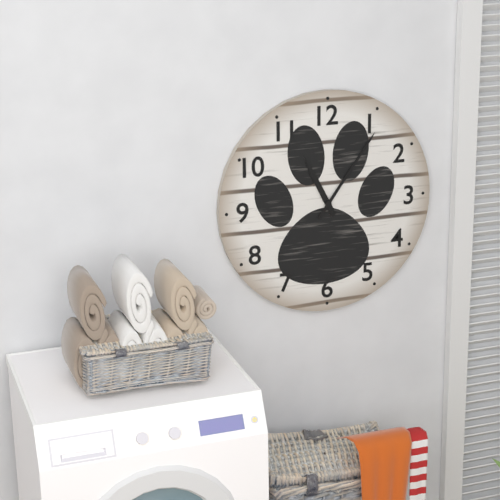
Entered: 11h06
